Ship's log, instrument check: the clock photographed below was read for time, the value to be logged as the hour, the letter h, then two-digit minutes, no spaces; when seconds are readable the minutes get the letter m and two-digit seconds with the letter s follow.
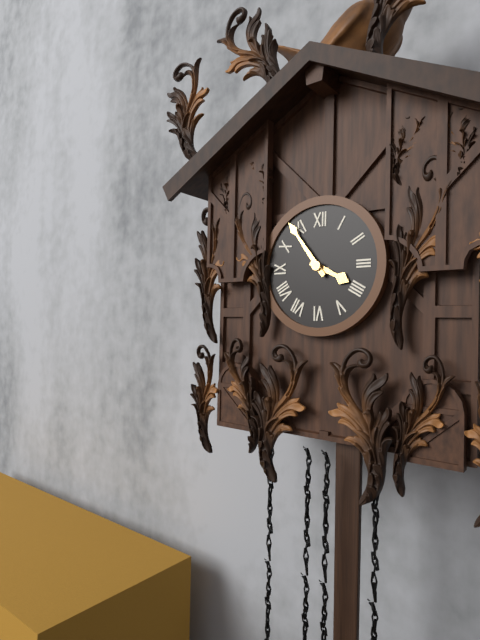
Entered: 3h54
